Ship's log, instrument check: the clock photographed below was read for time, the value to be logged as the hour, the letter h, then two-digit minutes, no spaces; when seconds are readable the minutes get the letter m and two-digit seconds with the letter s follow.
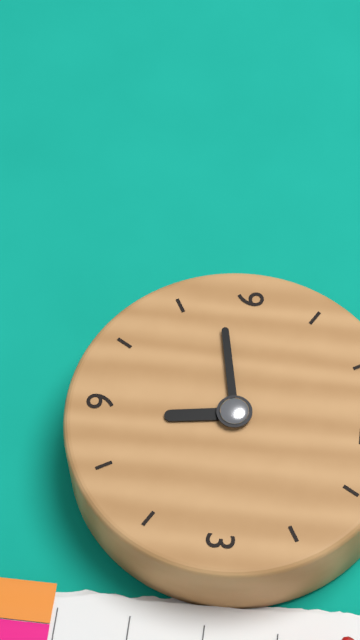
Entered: 5h43
